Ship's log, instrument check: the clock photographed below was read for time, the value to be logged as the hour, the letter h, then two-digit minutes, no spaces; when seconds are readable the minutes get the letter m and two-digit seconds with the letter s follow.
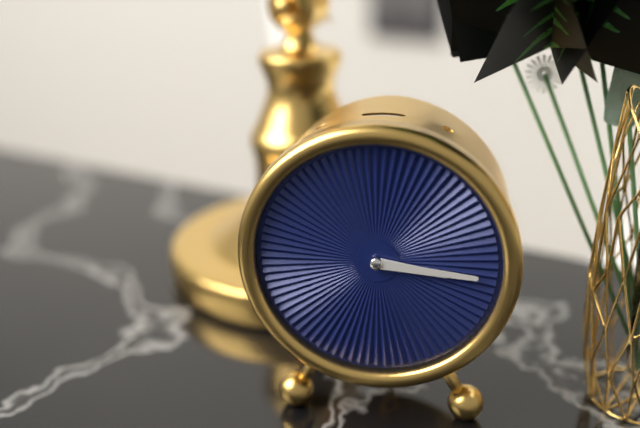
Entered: 3h16
